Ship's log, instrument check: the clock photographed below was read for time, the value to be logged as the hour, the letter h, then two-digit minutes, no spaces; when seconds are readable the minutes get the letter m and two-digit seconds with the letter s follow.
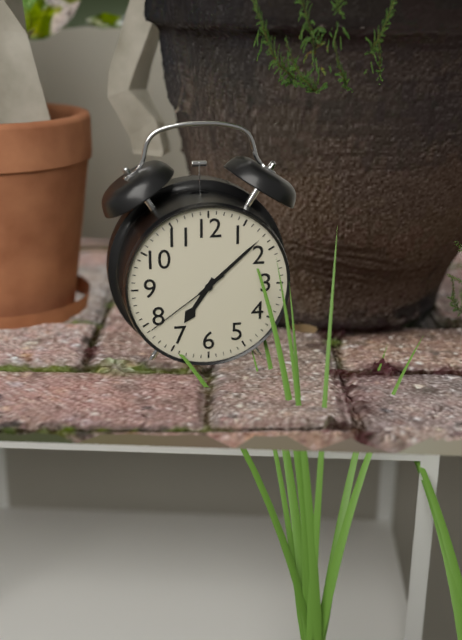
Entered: 7h08m39s
